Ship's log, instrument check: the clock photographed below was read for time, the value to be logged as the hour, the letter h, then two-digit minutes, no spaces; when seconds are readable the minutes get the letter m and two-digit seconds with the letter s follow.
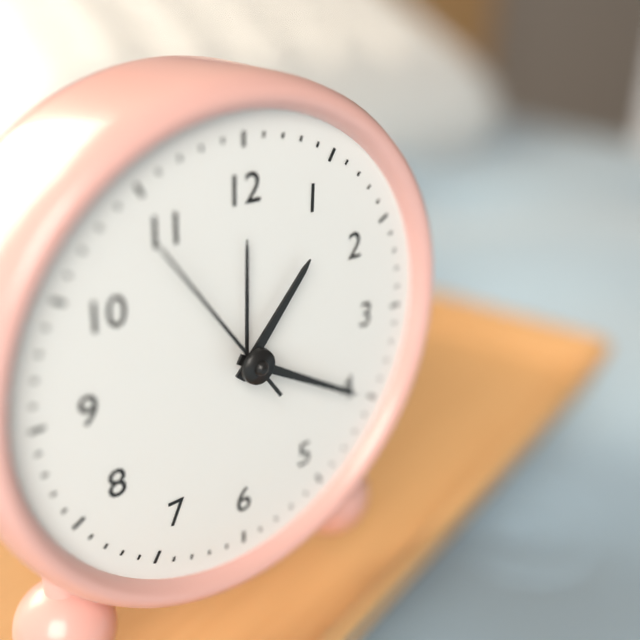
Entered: 1h20m54s
